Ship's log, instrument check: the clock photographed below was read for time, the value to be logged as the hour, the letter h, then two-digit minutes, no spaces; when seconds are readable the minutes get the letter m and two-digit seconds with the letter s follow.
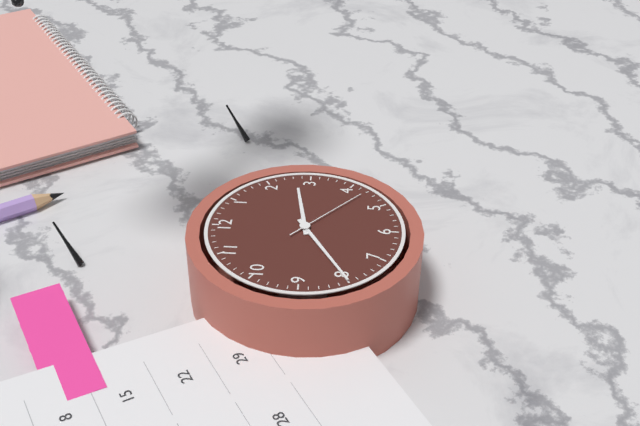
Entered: 2h40m22s
